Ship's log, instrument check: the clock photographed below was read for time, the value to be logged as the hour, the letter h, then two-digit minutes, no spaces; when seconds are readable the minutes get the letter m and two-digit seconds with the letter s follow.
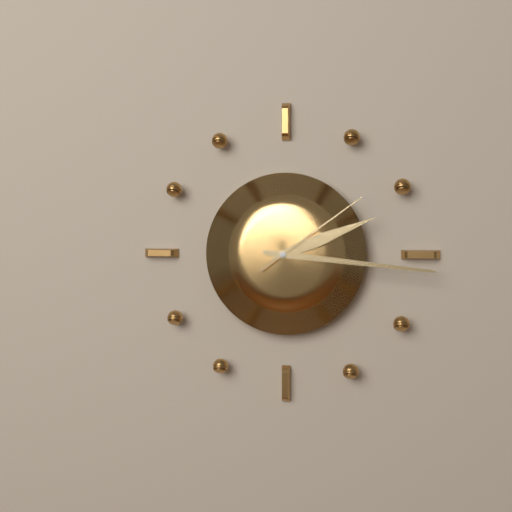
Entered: 2h16m09s
